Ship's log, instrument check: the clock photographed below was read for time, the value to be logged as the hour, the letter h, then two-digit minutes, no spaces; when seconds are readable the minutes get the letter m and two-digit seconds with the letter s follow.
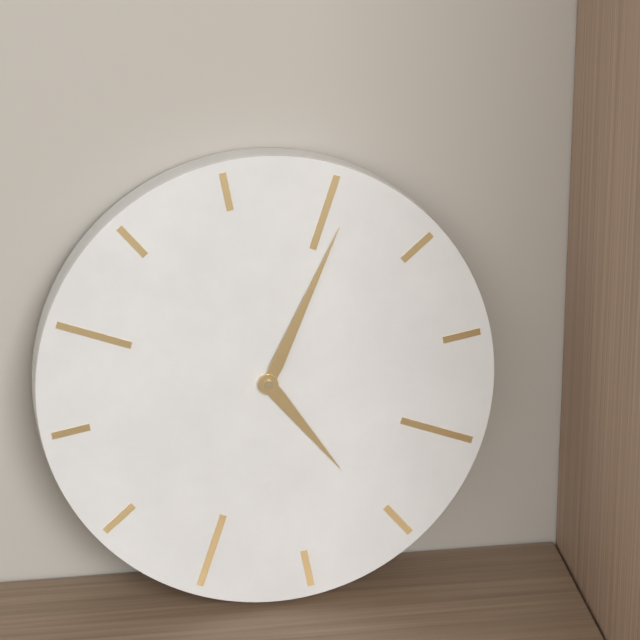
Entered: 5h06
